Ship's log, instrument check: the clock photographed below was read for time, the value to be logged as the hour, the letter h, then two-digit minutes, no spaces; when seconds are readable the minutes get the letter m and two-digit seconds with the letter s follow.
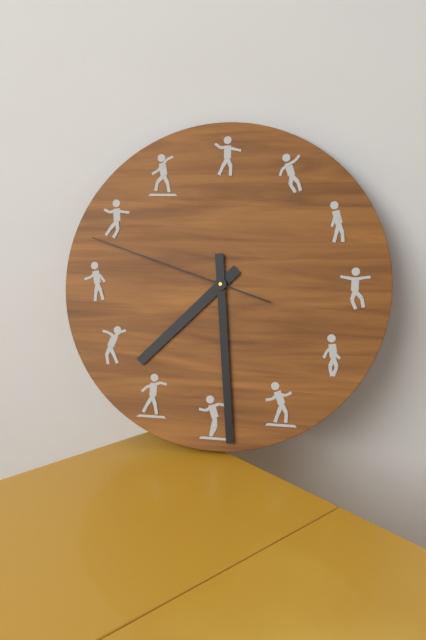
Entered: 7h29m48s
